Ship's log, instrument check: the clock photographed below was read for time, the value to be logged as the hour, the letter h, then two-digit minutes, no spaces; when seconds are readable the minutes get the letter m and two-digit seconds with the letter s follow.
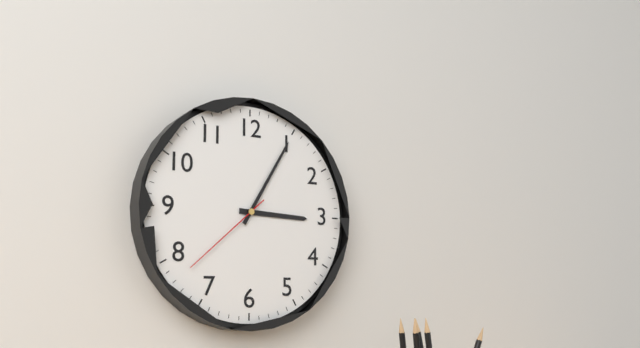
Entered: 3h05m38s
